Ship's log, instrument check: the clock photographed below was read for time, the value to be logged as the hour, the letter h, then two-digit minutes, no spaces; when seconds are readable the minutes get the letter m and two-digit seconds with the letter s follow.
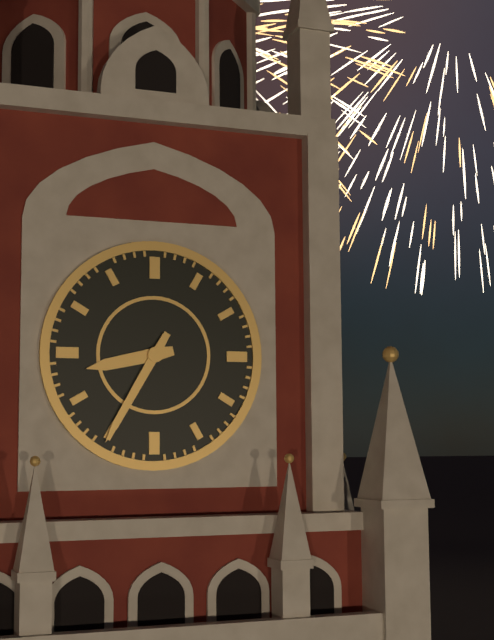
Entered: 8h35
